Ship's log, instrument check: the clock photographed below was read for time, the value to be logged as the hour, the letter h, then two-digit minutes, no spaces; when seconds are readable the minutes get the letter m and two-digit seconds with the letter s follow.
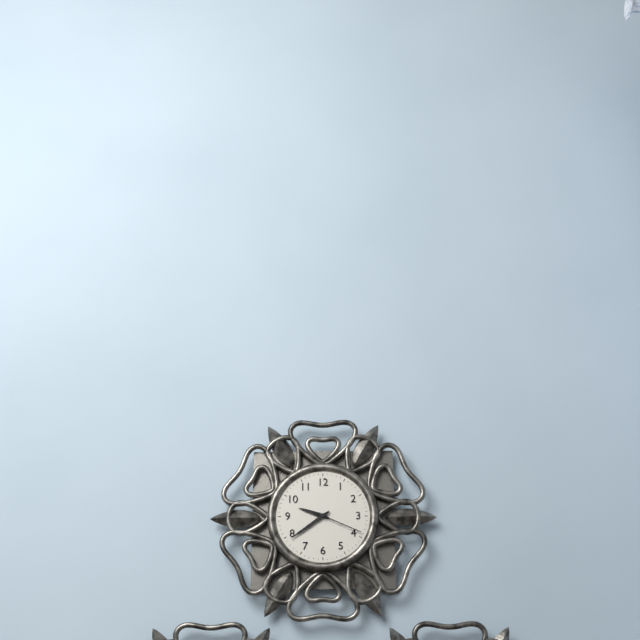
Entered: 9h39m19s
